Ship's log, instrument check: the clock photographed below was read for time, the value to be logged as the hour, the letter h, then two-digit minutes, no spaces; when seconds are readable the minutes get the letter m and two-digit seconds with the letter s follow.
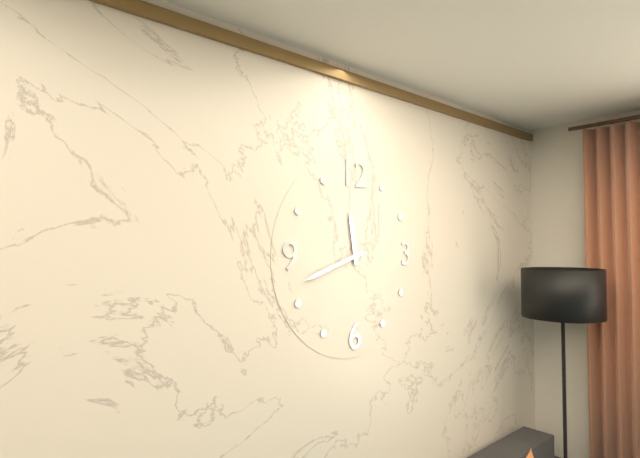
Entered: 11h42
